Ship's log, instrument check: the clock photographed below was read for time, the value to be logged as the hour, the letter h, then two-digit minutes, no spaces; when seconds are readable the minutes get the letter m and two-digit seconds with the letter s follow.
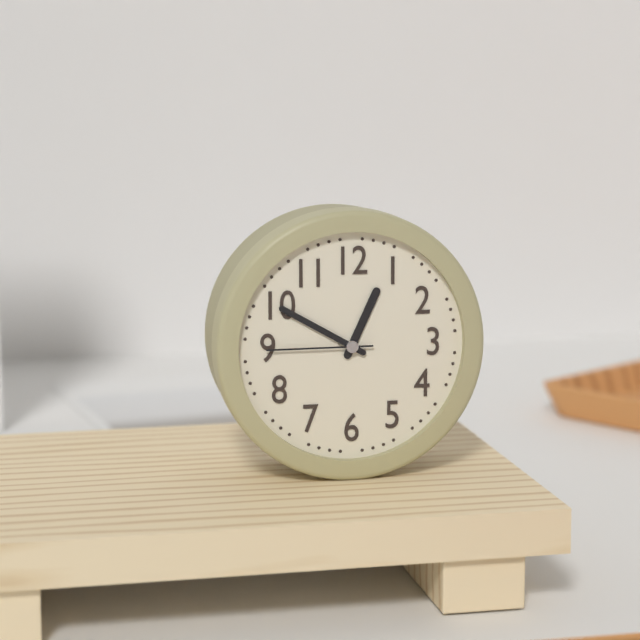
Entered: 12h50m45s
